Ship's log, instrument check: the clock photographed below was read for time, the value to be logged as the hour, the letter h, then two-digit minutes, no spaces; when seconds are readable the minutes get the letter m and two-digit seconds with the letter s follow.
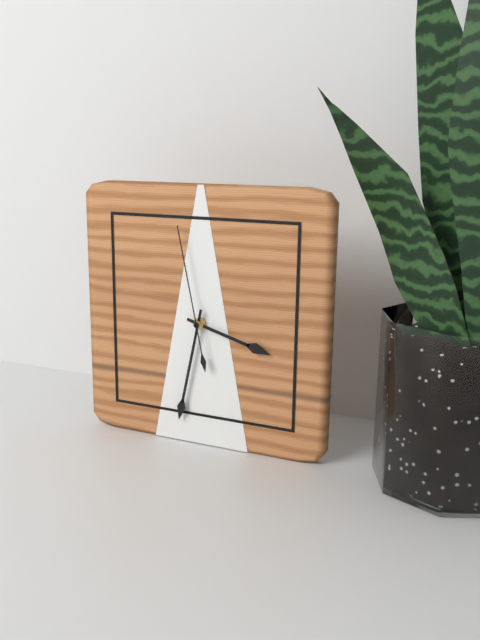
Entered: 3h32m58s
